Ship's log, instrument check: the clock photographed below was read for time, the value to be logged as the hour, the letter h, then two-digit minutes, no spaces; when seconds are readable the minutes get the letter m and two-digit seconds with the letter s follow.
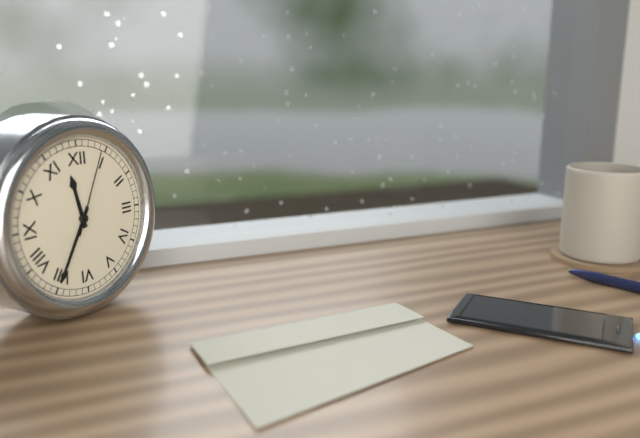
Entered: 11h35m04s
